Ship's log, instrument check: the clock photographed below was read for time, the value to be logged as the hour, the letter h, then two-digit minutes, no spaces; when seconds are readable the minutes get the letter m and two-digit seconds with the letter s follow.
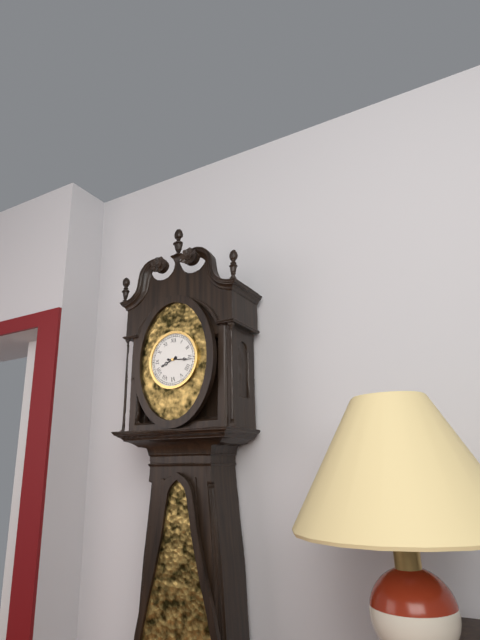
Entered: 8h16
